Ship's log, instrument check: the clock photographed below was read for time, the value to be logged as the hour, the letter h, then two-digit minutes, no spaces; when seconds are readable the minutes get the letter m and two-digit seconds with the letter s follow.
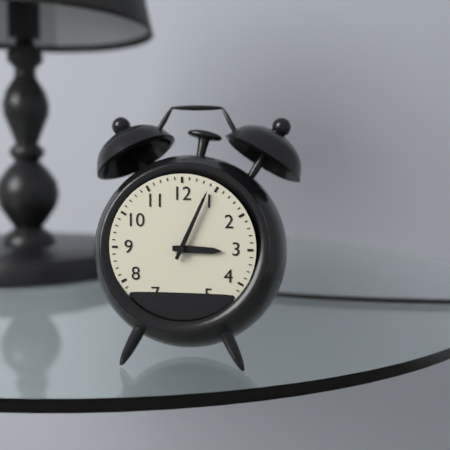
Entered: 3h04
